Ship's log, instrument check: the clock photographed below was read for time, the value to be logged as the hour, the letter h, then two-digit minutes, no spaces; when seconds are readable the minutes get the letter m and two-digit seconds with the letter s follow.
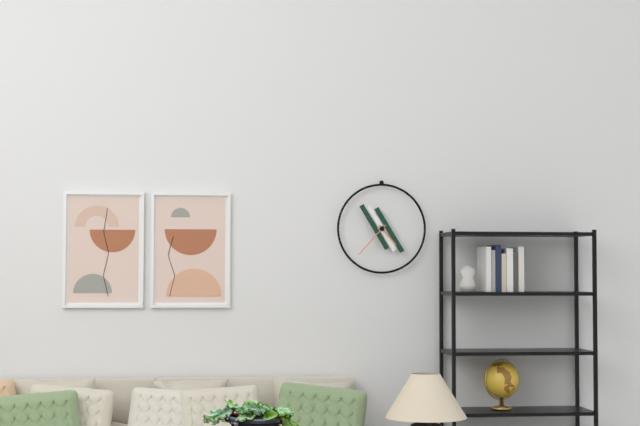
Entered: 4h37
